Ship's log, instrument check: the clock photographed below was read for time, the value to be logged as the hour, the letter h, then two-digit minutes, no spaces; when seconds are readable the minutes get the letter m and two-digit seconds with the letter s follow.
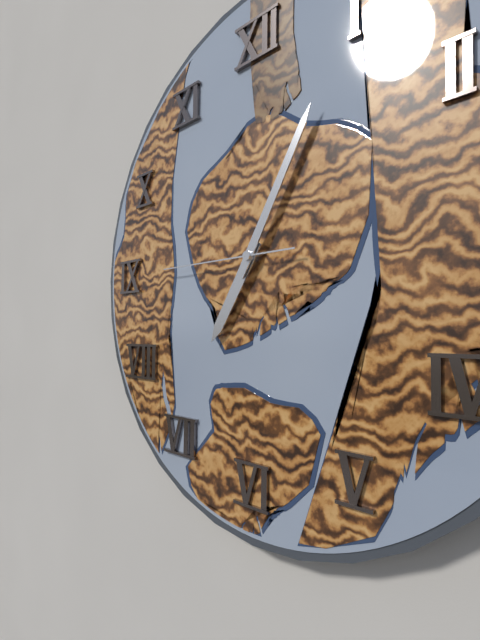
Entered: 7h05m45s
